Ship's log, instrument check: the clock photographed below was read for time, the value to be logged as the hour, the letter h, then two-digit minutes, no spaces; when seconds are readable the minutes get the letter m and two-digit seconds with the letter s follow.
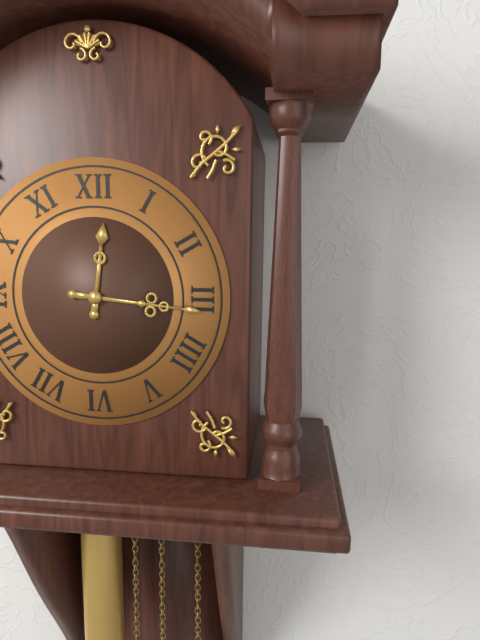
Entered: 12h16
